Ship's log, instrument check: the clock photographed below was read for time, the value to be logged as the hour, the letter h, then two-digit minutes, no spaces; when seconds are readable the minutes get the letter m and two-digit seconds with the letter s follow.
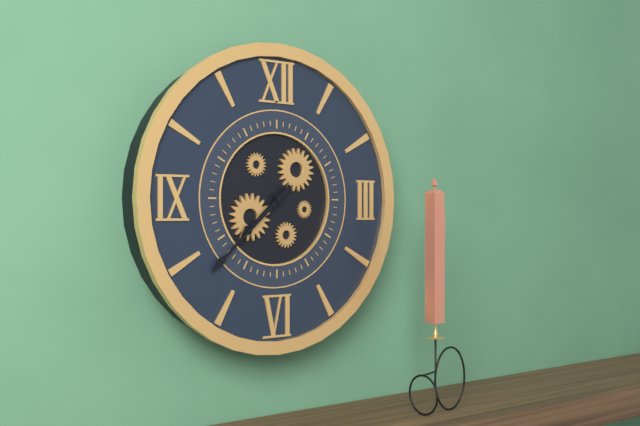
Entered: 7h38
